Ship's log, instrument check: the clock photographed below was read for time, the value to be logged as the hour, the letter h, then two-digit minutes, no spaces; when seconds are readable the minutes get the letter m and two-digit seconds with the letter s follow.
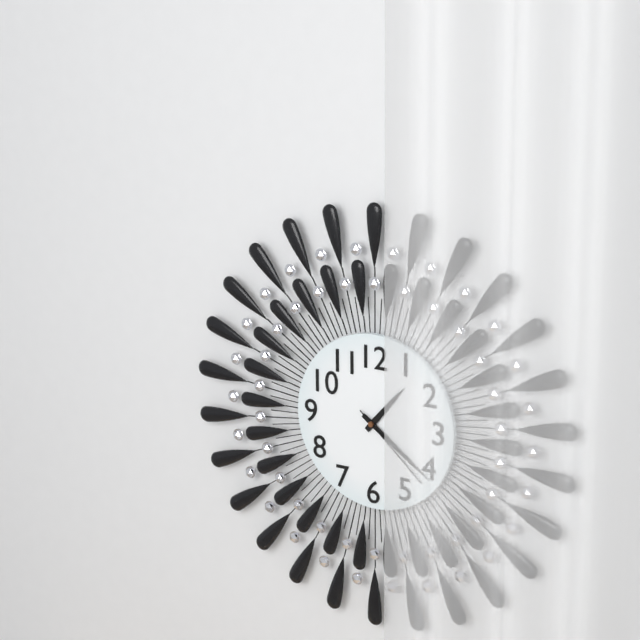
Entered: 1h21m22s
